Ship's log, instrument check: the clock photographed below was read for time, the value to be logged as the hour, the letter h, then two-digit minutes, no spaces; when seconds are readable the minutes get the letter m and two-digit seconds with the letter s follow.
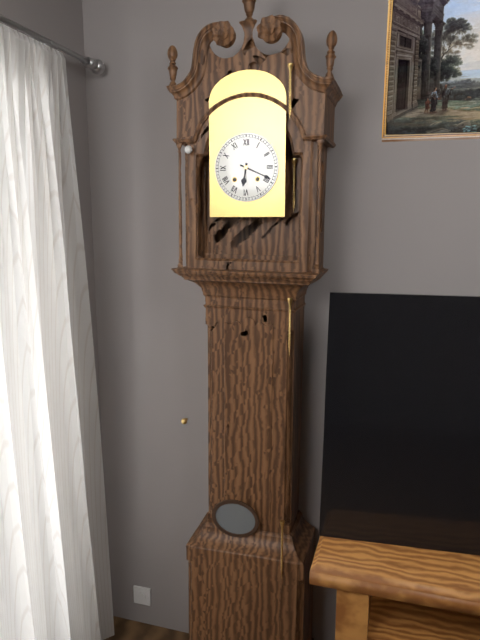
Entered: 6h19
